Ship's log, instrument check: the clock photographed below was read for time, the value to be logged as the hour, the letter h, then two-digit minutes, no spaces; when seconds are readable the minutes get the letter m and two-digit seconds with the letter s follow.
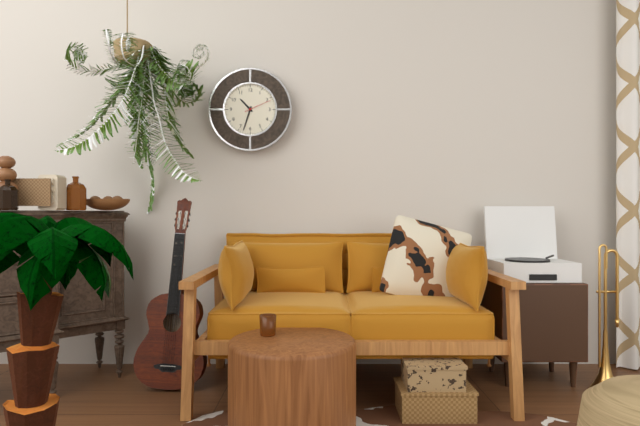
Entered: 10h33
